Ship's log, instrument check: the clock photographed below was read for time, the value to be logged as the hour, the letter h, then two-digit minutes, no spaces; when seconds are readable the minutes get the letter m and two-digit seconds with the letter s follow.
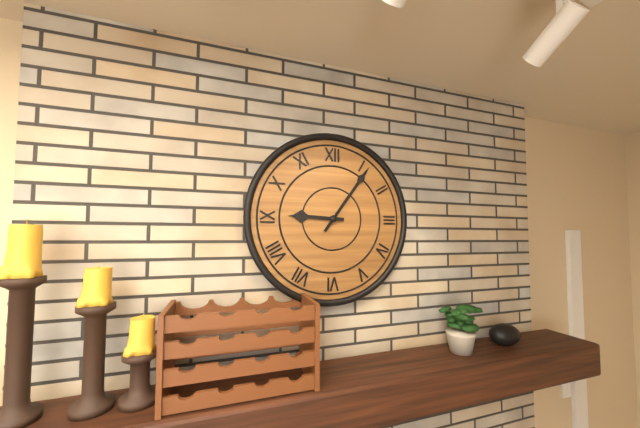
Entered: 9h06
